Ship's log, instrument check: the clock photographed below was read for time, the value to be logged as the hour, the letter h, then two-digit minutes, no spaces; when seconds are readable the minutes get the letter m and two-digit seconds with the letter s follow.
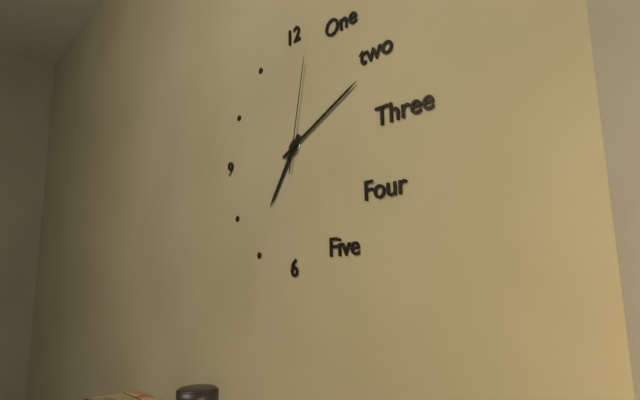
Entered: 7h11m02s
